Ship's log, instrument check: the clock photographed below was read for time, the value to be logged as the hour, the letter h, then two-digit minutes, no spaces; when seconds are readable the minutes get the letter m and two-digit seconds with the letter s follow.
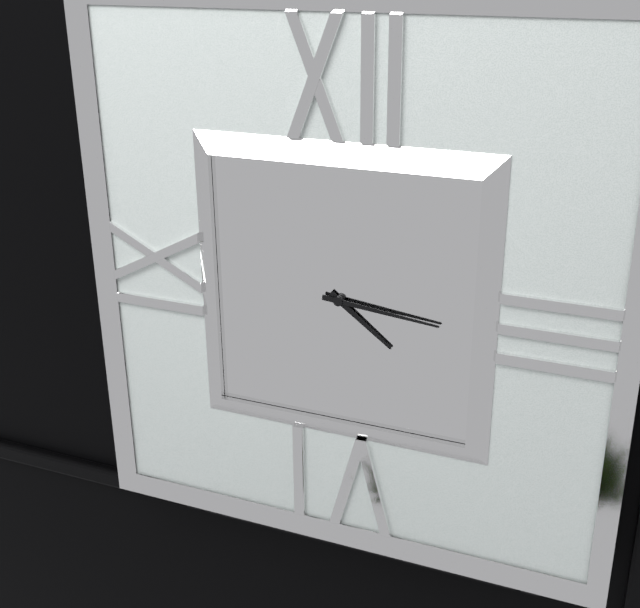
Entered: 4h16
